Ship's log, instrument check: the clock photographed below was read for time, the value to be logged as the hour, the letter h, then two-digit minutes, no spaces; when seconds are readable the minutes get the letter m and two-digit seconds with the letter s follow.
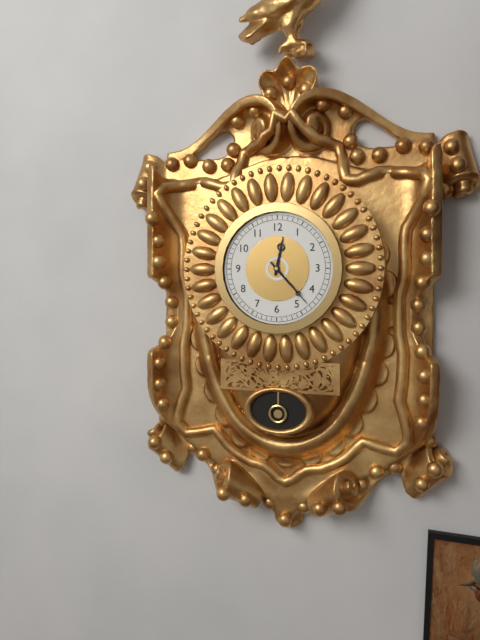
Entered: 12h23
